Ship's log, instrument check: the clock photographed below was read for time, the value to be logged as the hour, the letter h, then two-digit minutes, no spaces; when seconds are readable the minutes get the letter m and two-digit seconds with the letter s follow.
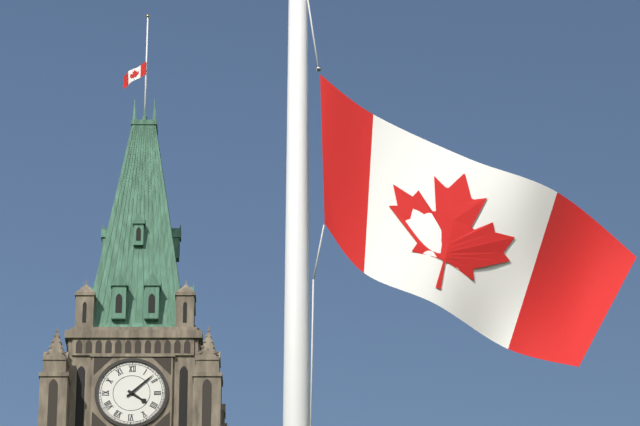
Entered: 4h08
